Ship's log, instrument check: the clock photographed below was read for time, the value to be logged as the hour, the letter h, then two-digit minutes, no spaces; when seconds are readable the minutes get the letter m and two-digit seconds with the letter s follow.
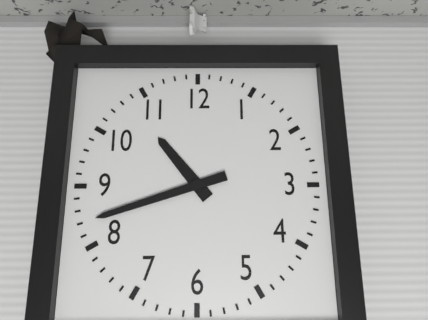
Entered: 10h42
